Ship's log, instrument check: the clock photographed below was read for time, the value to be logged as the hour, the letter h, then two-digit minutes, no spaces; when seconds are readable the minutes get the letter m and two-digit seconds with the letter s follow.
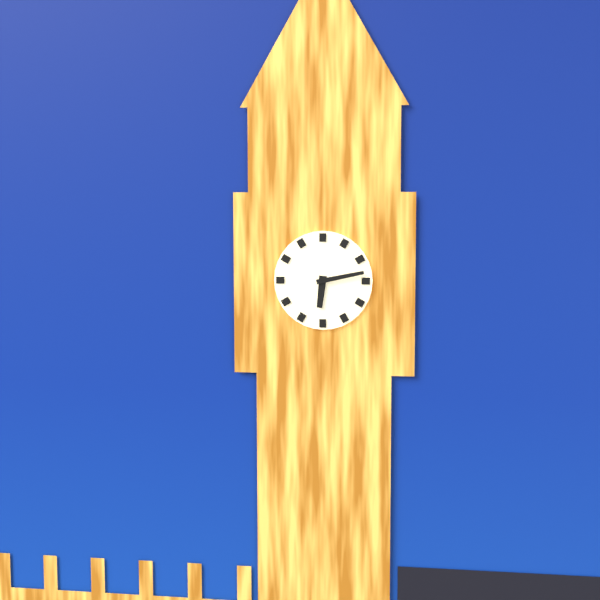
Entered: 6h13
